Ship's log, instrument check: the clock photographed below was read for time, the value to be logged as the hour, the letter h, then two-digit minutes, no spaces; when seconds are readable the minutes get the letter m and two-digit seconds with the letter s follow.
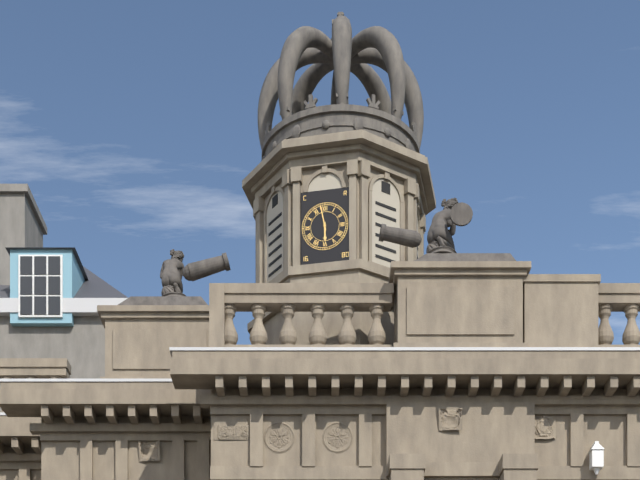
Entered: 5h58
